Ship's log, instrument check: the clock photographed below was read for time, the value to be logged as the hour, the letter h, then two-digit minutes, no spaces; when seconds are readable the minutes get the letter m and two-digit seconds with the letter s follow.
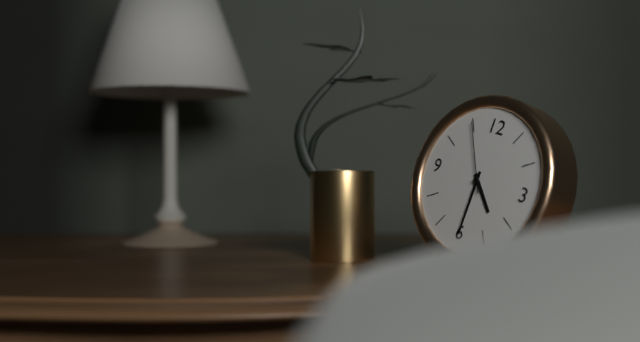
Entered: 4h30m55s
